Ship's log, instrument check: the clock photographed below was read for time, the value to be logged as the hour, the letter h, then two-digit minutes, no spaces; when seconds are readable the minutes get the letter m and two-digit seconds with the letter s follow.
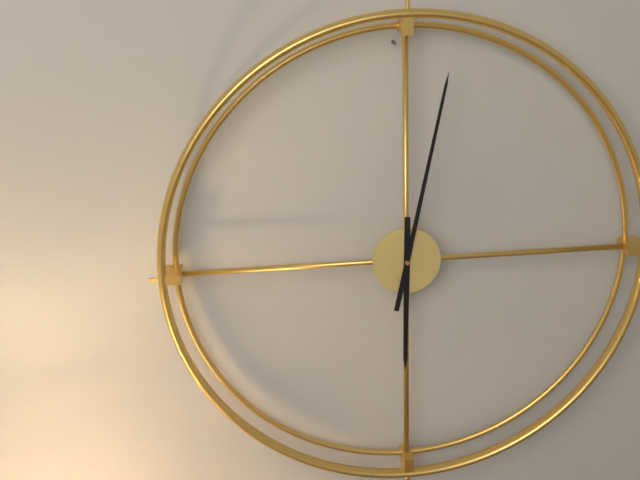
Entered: 6h02
